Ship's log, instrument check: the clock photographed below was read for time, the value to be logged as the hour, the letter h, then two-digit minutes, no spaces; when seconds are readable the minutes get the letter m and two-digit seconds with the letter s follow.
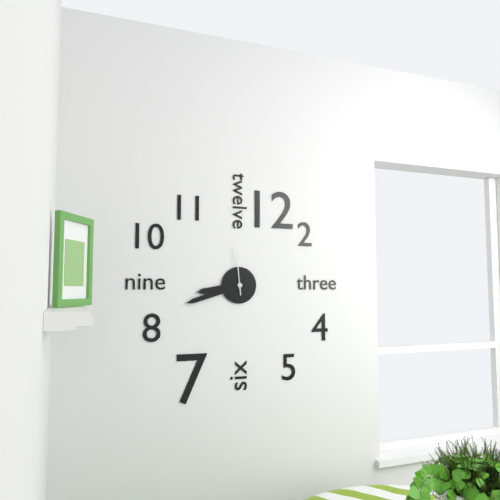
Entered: 8h42m59s
